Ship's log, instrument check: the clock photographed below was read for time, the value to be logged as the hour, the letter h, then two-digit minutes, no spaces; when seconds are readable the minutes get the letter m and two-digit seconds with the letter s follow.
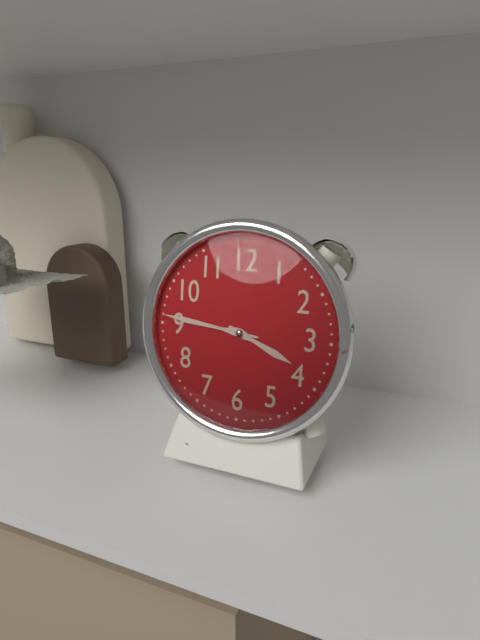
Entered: 3h46
